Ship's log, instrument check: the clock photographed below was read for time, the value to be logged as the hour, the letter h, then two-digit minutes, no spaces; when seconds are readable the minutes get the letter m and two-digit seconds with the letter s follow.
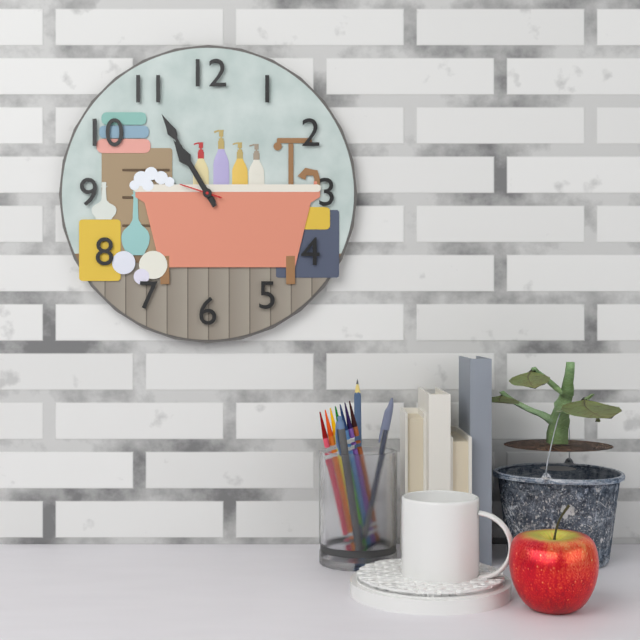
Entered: 10h55
